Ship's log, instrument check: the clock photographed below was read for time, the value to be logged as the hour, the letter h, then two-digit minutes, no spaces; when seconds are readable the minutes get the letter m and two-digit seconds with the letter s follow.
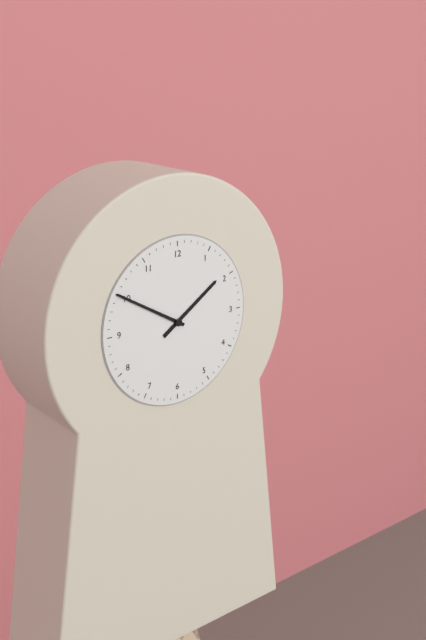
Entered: 1h50
